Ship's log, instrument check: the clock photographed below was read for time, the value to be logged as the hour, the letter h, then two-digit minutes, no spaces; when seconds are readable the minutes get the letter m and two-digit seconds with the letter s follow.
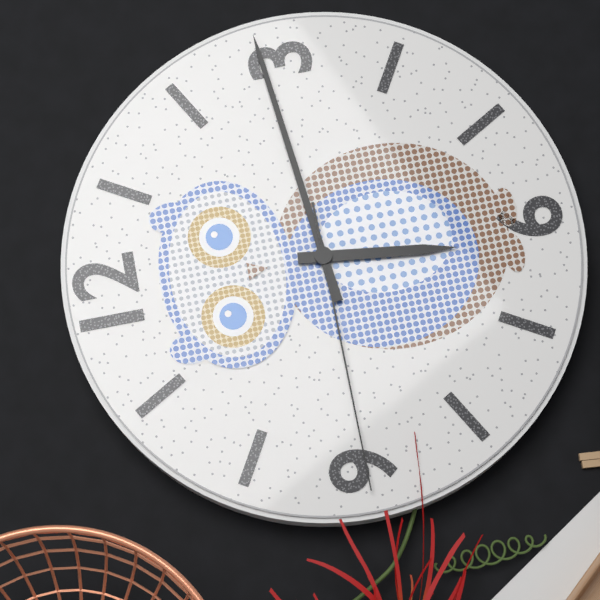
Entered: 6h14m45s
